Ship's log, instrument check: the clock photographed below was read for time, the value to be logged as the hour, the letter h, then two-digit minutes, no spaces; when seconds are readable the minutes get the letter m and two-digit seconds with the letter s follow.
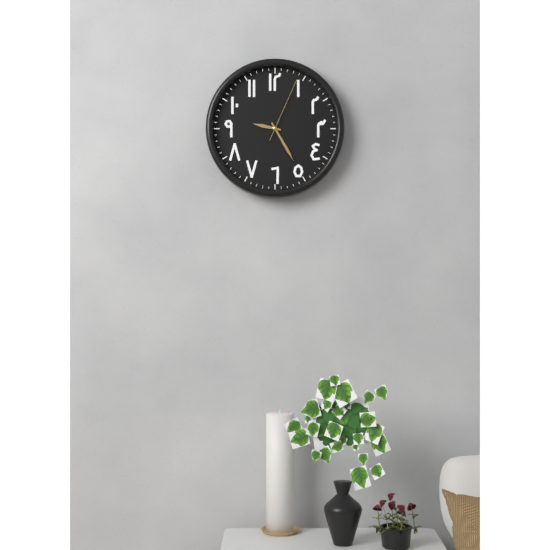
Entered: 9h25m04s
